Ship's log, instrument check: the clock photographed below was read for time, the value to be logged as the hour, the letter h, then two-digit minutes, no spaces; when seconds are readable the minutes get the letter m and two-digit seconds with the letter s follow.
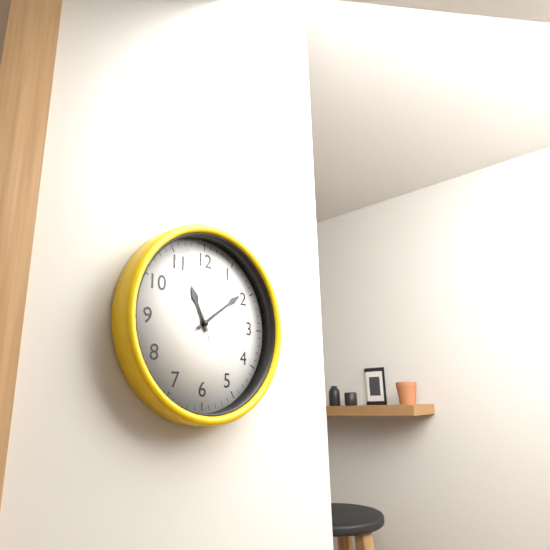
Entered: 11h09m57s
